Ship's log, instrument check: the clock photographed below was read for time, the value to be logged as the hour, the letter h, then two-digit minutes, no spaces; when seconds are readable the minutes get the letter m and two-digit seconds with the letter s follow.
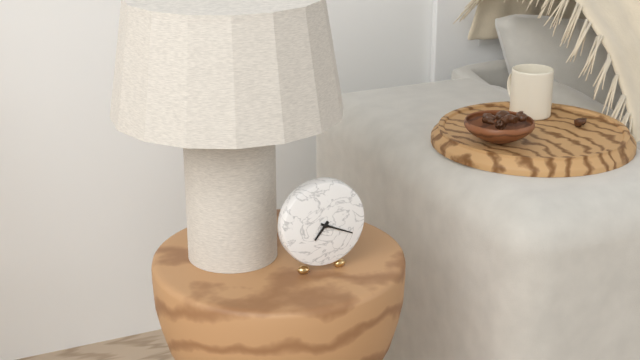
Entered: 7h19
